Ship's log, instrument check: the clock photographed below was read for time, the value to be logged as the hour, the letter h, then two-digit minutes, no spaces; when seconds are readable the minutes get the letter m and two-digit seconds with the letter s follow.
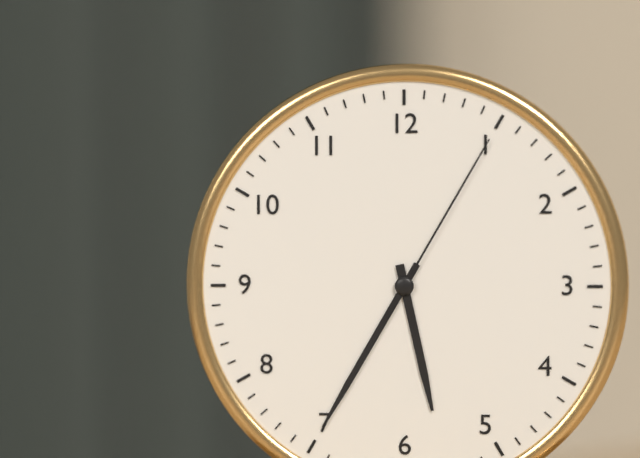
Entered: 5h35m05s
